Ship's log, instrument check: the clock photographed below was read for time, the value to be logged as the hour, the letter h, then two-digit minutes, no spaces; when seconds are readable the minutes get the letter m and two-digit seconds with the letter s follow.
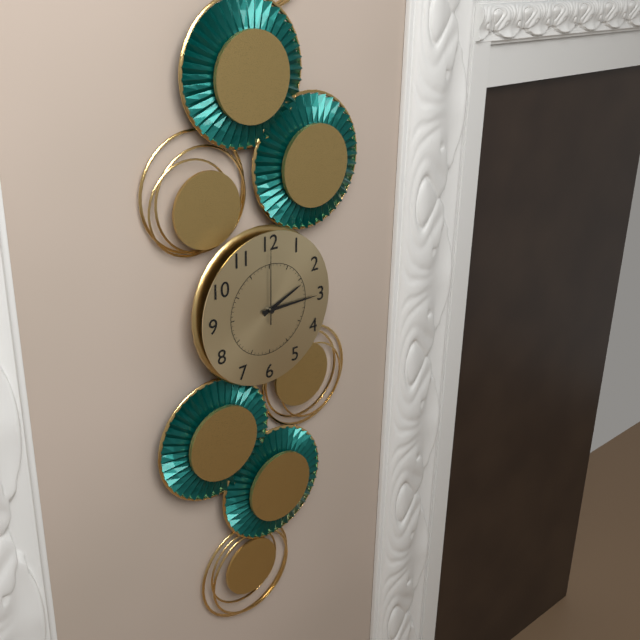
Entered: 2h15m00s
